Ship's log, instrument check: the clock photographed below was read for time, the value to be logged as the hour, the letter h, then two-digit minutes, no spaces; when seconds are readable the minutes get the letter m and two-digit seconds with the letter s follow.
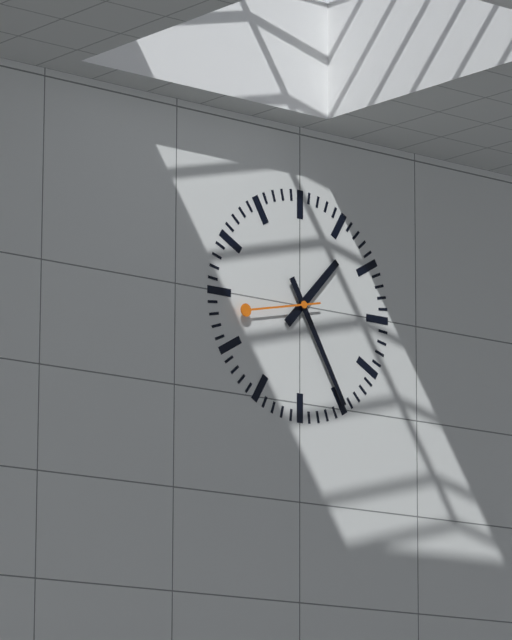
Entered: 1h25m43s
